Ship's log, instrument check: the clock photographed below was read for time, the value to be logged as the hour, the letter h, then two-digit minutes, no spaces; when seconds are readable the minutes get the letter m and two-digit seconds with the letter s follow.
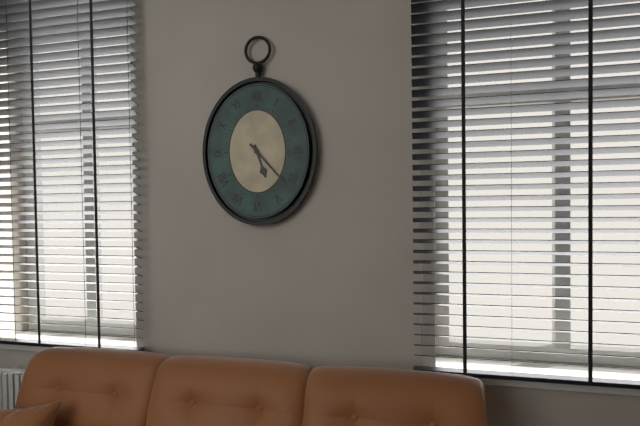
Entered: 5h23
